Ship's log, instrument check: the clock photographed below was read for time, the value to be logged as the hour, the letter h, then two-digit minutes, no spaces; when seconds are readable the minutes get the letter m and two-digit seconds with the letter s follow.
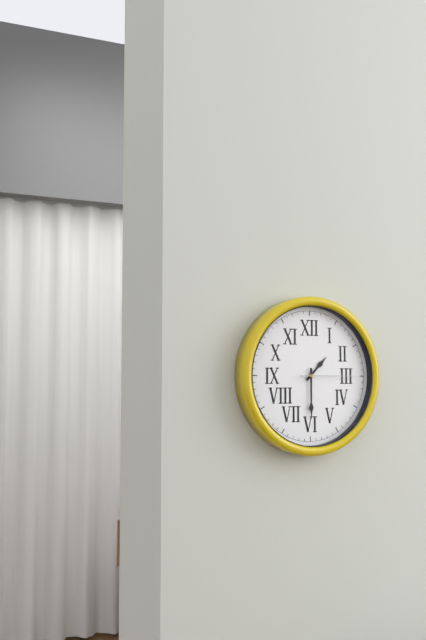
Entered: 1h30m15s
